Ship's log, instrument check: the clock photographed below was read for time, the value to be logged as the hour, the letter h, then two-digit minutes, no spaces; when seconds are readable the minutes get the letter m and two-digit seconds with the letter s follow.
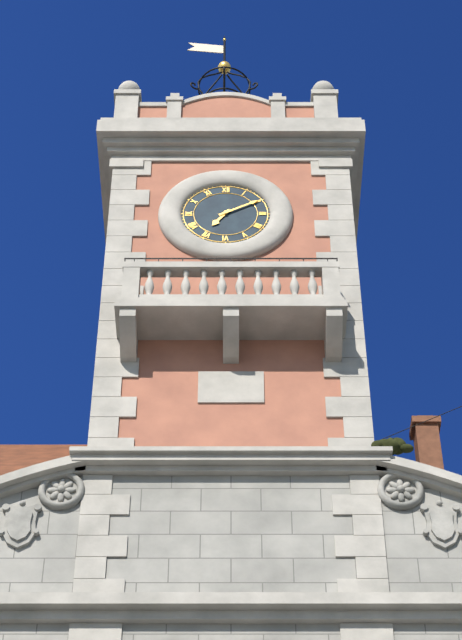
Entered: 7h10
